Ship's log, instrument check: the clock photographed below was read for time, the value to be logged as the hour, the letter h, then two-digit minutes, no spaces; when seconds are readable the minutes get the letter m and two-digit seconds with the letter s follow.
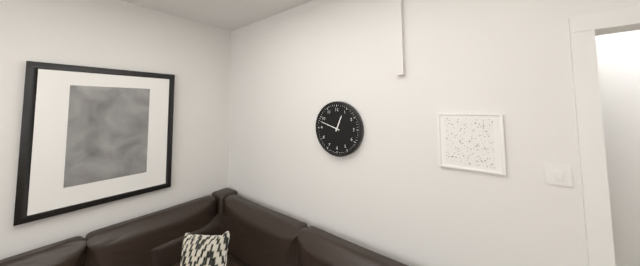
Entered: 12h48
